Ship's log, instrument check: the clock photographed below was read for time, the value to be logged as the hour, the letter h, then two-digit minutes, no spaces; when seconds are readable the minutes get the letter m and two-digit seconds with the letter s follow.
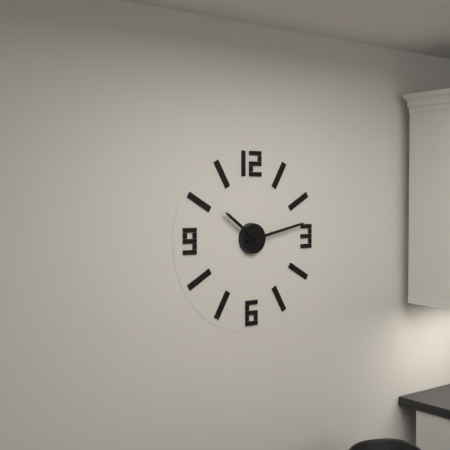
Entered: 10h13
